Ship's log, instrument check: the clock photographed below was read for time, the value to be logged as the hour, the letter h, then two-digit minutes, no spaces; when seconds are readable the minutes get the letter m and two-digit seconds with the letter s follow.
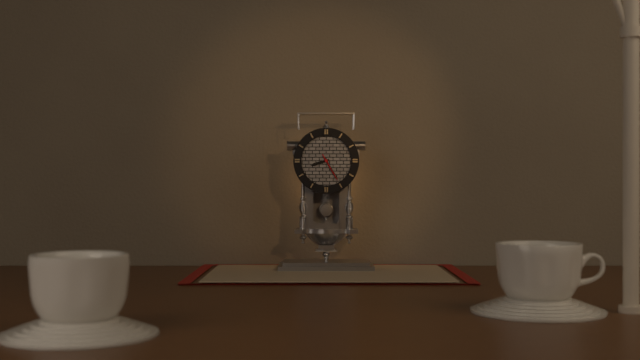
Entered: 8h25
